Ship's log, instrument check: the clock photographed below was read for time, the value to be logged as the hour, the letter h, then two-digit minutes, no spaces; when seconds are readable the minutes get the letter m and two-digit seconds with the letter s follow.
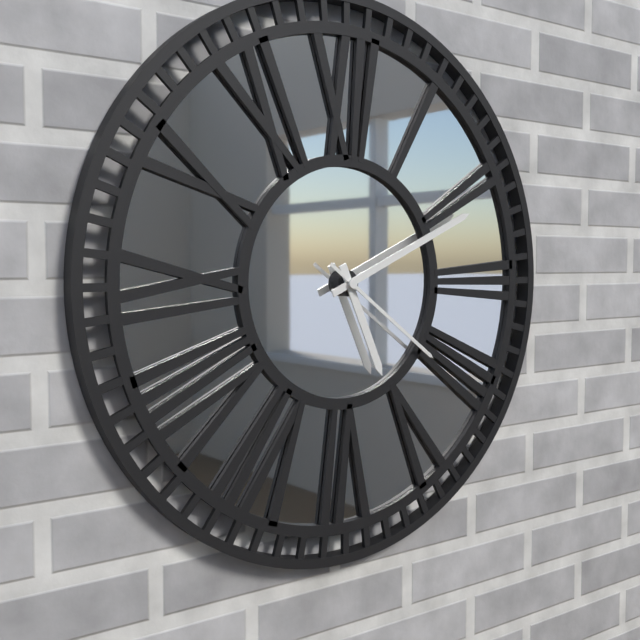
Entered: 5h11m21s
